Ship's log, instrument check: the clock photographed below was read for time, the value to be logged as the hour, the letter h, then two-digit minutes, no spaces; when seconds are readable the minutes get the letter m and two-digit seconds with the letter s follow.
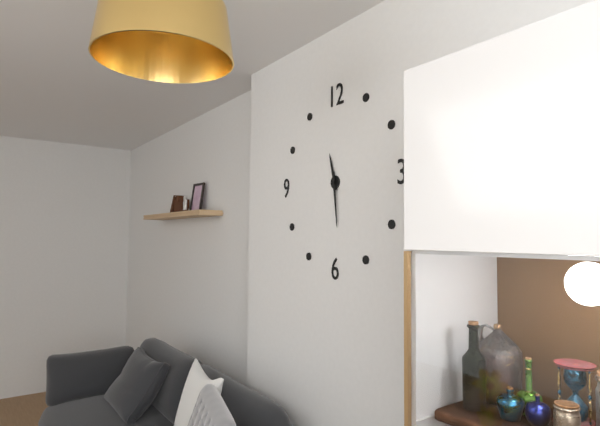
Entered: 11h29
